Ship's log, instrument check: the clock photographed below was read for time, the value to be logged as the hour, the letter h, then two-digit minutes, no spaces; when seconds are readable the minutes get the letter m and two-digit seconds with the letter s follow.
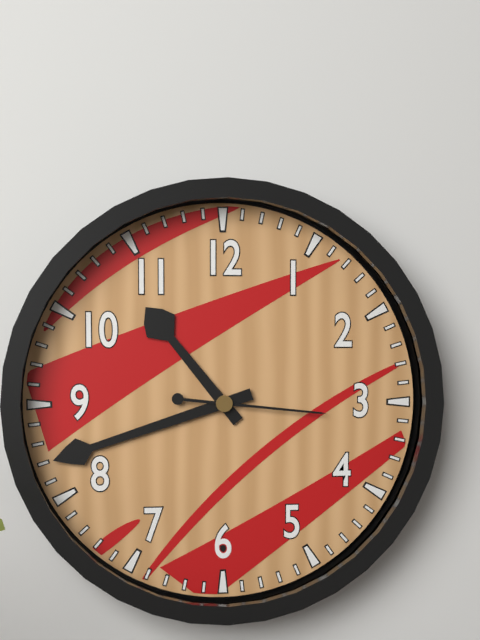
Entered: 10h42m16s
